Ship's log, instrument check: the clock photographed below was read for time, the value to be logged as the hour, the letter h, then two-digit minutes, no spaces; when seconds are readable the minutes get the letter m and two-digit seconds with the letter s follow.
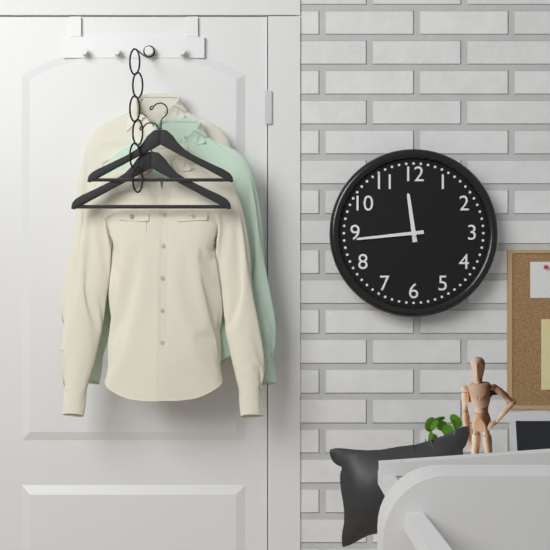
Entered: 11h44
